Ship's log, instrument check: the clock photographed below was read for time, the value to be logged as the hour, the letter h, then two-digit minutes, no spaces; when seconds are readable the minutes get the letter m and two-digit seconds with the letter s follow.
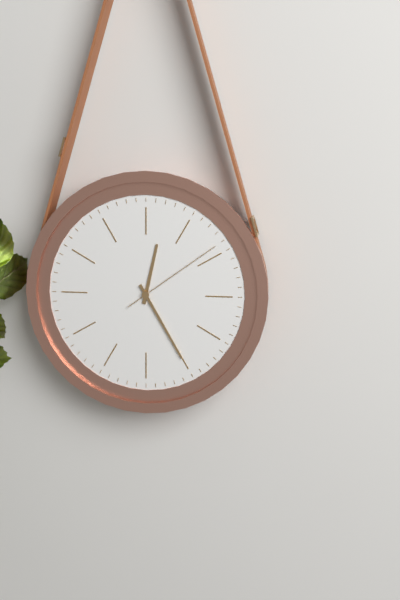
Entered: 12h25m09s
